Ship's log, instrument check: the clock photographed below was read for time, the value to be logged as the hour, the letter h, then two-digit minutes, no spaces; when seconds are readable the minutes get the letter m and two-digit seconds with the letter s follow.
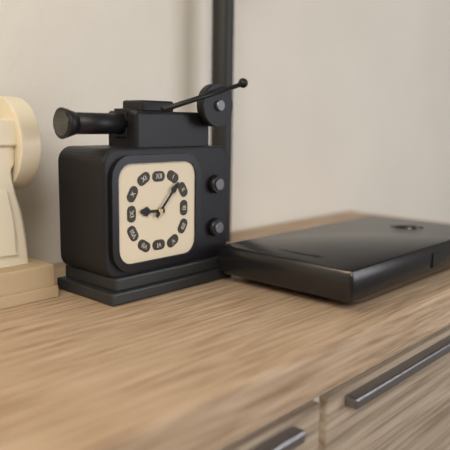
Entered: 9h07
